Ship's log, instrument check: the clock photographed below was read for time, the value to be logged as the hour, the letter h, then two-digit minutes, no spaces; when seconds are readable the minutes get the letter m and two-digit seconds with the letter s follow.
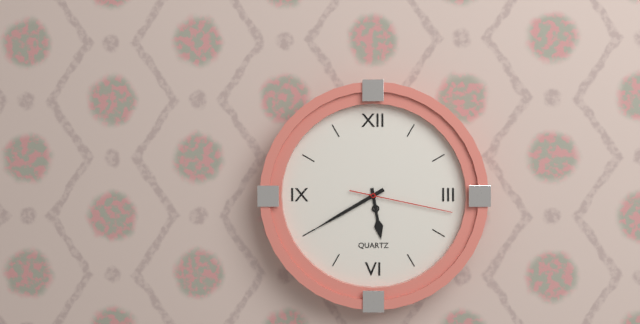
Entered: 5h40m17s
